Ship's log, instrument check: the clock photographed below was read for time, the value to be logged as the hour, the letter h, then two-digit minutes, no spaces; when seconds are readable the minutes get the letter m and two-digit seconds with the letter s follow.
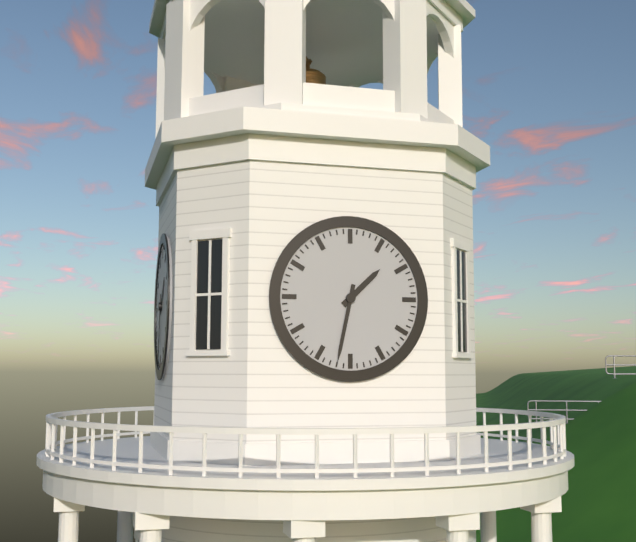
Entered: 1h32
